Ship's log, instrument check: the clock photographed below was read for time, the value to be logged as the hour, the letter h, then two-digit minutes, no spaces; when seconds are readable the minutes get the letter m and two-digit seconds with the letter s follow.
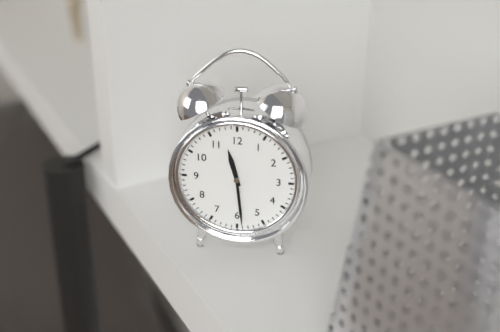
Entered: 11h29
